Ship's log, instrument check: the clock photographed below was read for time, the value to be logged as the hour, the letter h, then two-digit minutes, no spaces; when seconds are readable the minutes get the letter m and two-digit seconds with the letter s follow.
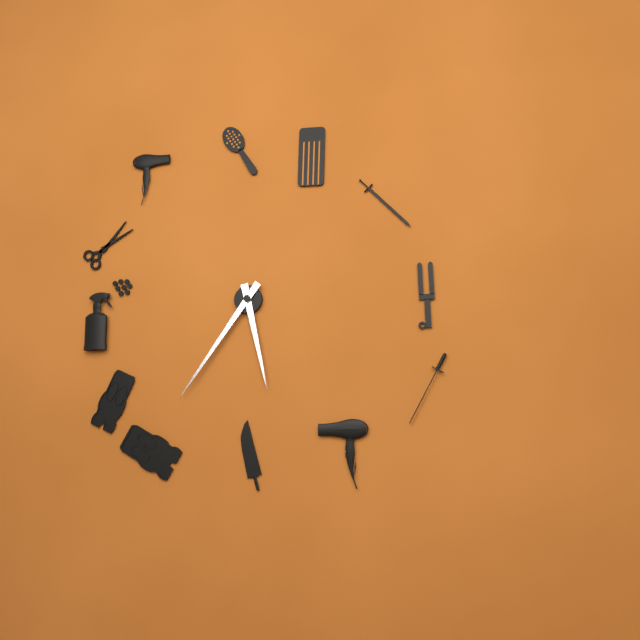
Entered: 5h36
